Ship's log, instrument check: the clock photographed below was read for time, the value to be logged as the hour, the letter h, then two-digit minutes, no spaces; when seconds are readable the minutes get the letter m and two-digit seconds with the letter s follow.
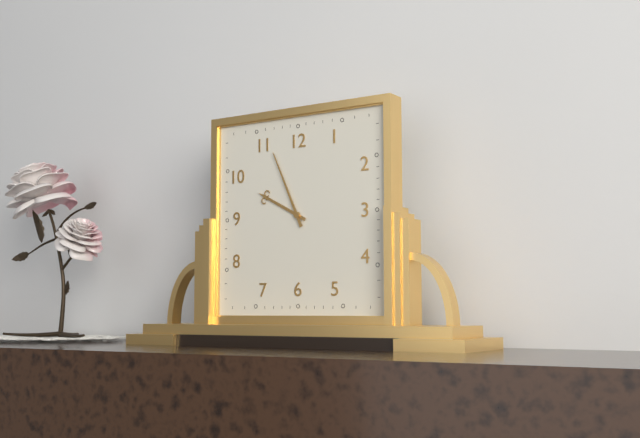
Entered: 9h56
